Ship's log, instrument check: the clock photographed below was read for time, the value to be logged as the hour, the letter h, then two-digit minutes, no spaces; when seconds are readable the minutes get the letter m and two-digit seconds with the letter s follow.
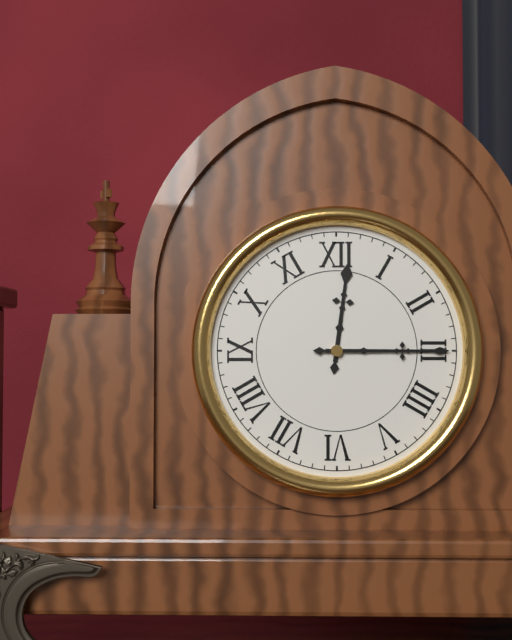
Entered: 12h15
